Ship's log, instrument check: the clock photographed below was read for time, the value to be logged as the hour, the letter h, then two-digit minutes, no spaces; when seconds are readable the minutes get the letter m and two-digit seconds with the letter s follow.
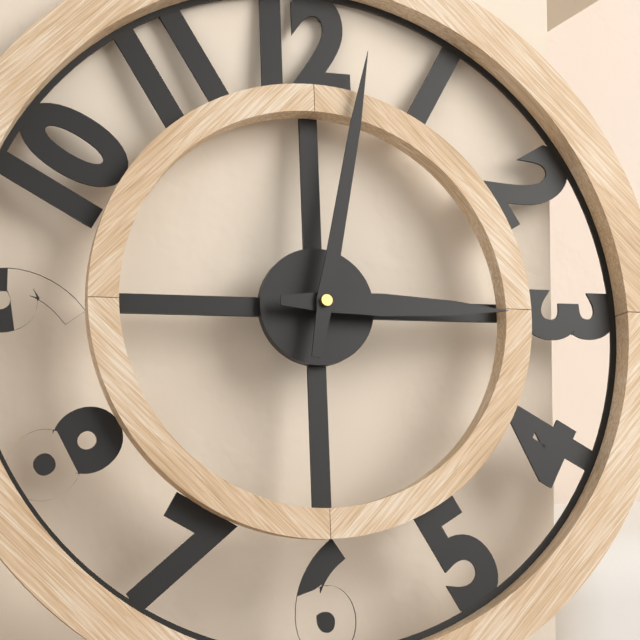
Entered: 3h02
